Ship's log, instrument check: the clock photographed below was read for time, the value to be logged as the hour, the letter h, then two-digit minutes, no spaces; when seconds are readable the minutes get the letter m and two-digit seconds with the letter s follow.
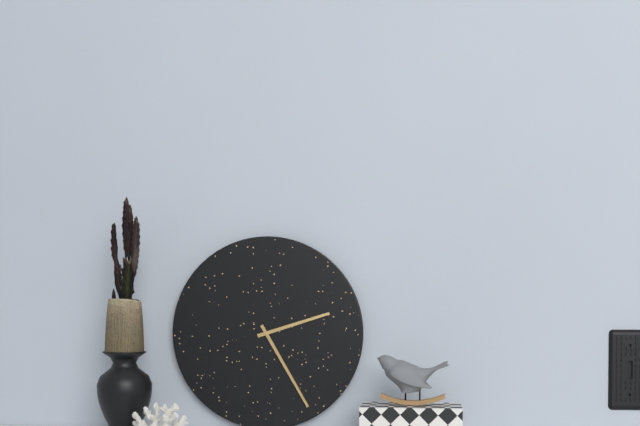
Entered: 2h25
